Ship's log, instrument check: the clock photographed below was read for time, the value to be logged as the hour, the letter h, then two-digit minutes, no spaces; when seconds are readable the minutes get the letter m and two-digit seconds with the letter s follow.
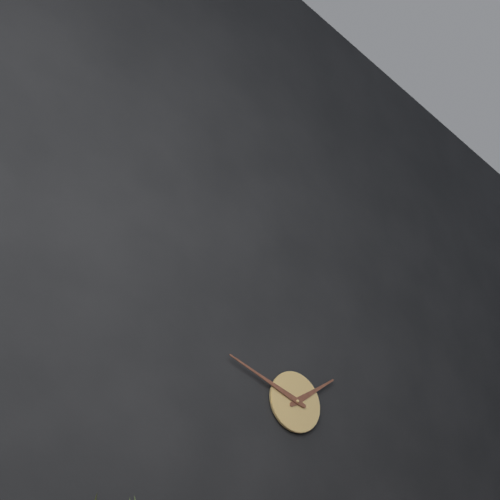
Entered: 1h48
